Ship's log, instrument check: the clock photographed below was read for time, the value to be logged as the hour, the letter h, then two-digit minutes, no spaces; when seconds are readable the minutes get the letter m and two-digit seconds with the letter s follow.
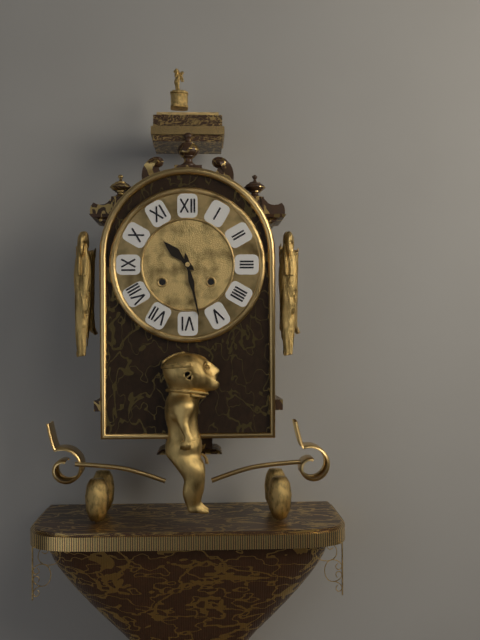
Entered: 10h28
